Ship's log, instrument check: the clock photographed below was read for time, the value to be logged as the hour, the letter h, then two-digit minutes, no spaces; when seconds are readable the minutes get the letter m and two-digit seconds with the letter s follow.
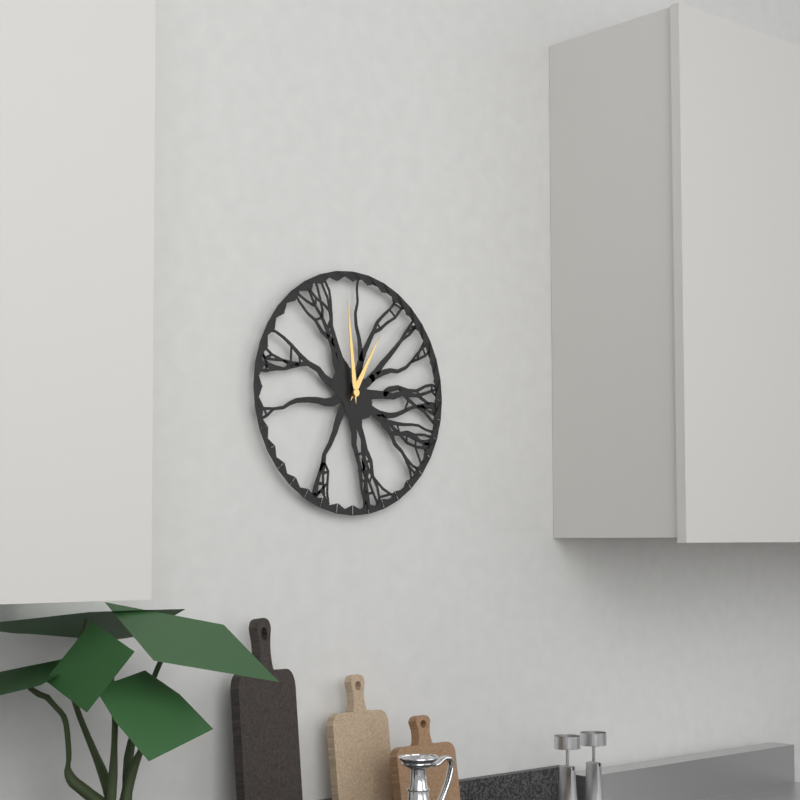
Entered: 12h59
